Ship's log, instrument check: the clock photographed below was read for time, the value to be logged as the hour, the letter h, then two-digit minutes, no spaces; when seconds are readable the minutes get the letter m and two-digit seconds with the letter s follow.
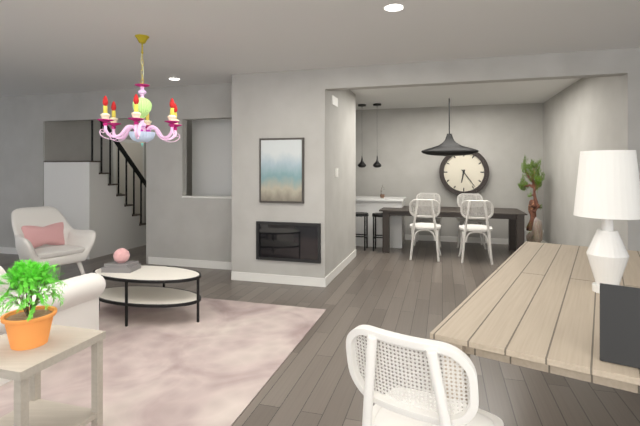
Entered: 6h24
